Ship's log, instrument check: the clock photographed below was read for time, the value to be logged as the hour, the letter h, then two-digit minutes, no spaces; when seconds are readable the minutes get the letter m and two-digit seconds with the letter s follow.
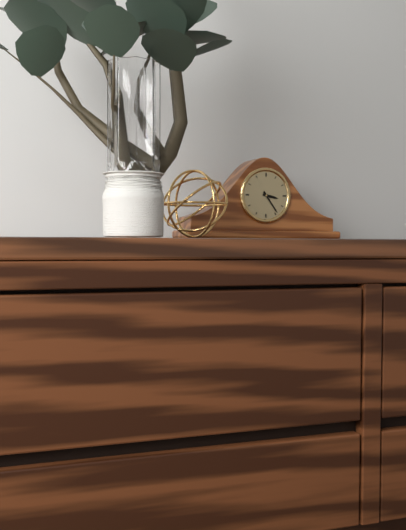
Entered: 3h24
